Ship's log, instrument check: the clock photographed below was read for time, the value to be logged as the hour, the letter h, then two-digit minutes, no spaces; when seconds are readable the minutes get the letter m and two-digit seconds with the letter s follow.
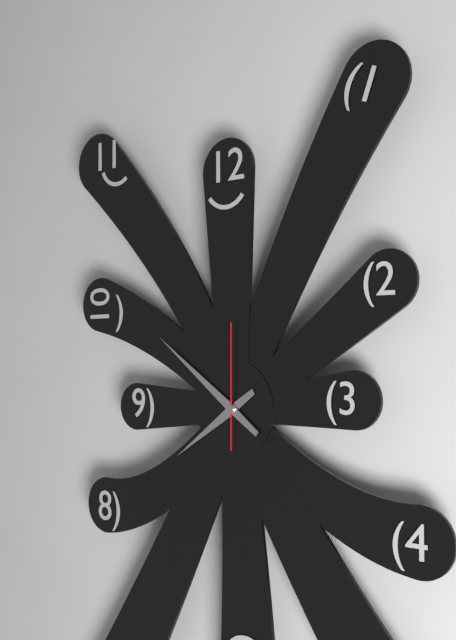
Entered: 7h51m00s
